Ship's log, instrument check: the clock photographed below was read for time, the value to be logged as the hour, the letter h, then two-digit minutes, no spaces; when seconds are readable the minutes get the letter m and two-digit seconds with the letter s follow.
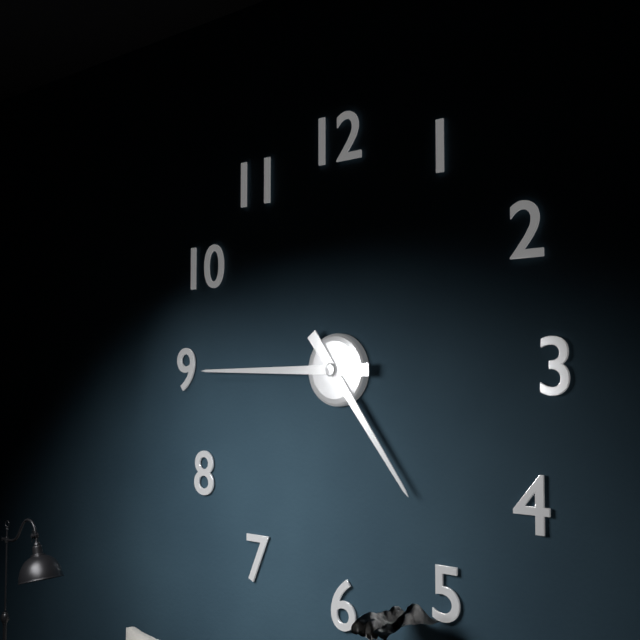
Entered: 4h45
